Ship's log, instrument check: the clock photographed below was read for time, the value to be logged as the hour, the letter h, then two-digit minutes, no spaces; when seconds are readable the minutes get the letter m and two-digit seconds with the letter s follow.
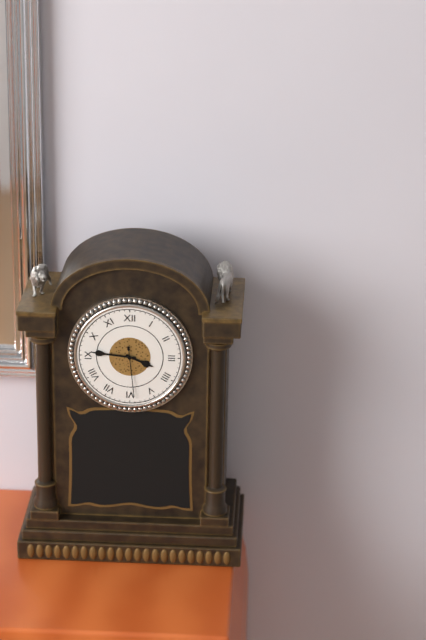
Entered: 3h46m29s
